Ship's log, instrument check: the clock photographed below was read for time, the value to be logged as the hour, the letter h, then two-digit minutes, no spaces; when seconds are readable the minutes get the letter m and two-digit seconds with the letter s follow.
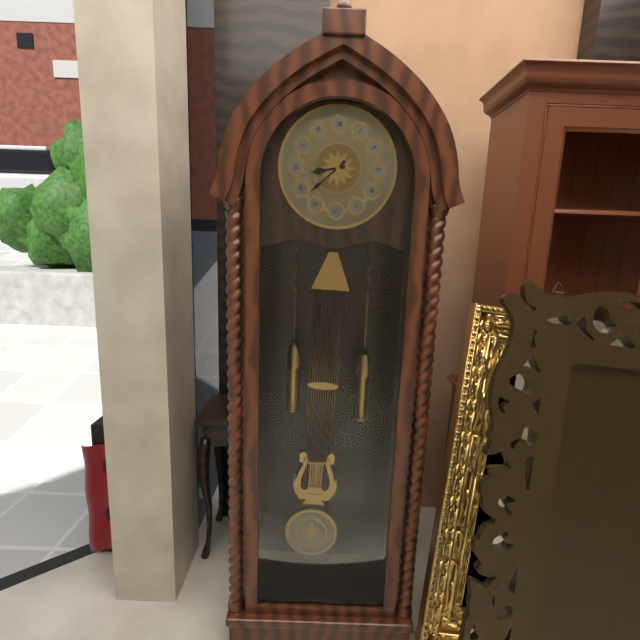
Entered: 8h38
